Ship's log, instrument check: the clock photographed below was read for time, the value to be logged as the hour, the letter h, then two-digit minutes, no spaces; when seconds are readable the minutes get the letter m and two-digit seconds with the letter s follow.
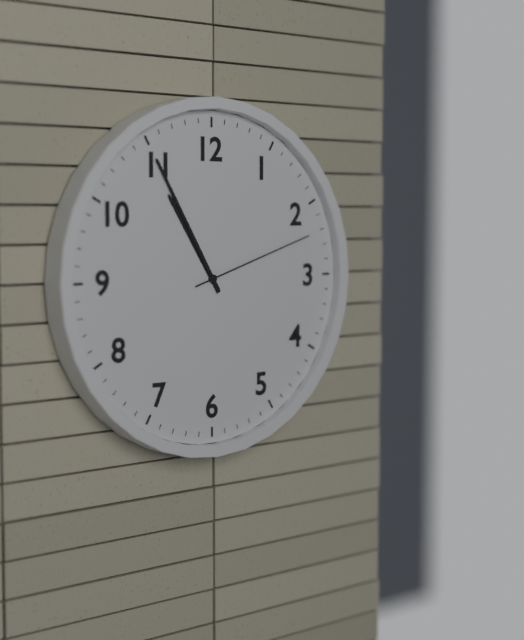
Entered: 10h55m12s
